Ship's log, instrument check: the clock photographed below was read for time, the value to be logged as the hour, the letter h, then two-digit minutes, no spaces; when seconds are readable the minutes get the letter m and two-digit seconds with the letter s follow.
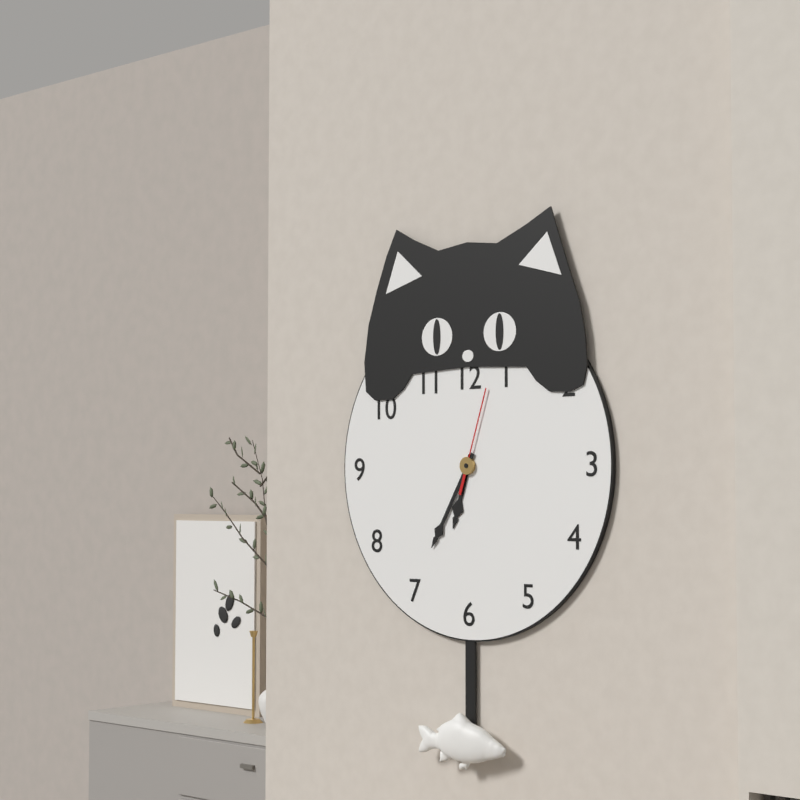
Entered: 6h35m03s
